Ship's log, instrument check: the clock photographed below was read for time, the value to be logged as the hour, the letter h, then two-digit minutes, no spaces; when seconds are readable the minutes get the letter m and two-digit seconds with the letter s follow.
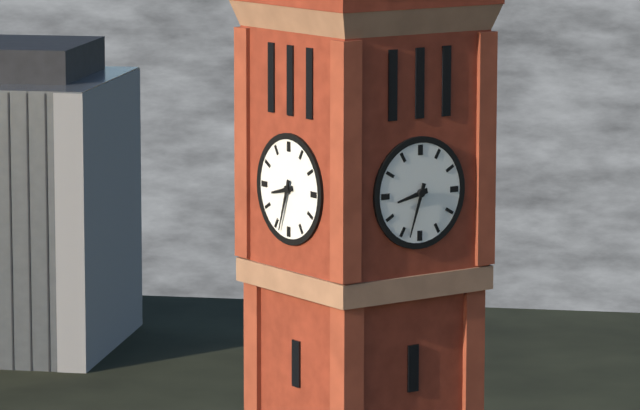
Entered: 8h33
